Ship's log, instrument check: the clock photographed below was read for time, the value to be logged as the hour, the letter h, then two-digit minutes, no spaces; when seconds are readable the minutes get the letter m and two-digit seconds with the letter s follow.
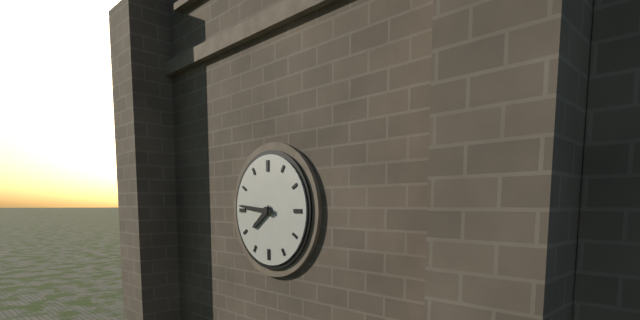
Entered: 7h46
